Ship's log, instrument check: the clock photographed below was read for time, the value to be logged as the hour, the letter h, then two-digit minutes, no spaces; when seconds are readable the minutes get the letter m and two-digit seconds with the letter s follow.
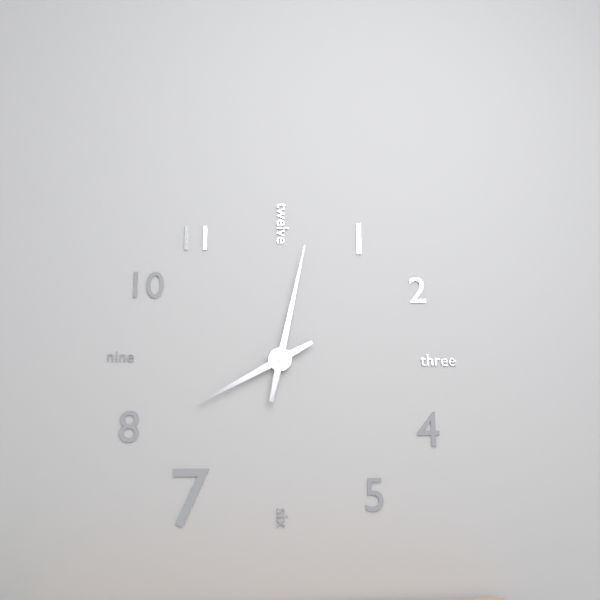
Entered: 8h02
